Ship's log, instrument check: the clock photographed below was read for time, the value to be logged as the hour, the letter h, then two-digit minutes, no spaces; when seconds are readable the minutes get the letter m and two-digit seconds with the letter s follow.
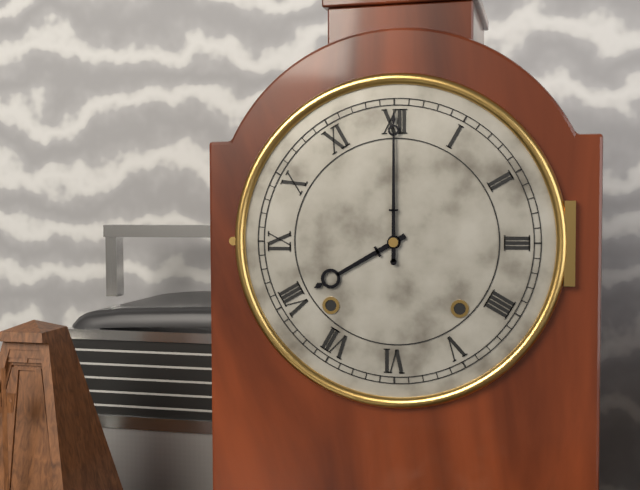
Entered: 8h00
